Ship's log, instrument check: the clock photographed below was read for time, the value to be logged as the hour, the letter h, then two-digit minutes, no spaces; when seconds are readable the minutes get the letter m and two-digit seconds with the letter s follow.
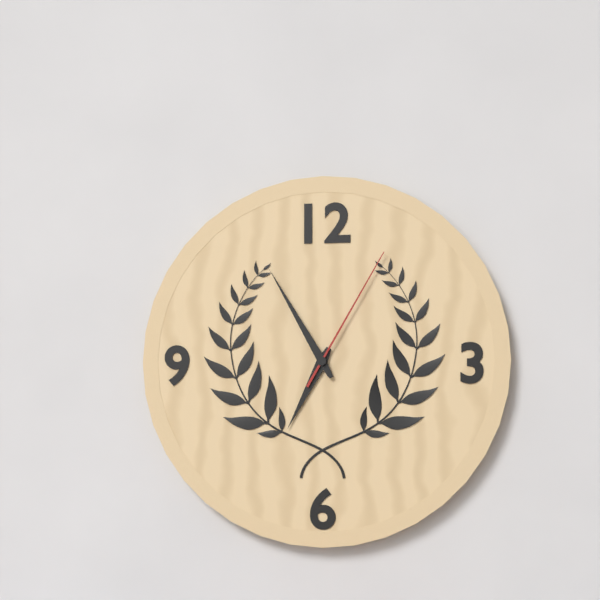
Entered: 6h55m05s
